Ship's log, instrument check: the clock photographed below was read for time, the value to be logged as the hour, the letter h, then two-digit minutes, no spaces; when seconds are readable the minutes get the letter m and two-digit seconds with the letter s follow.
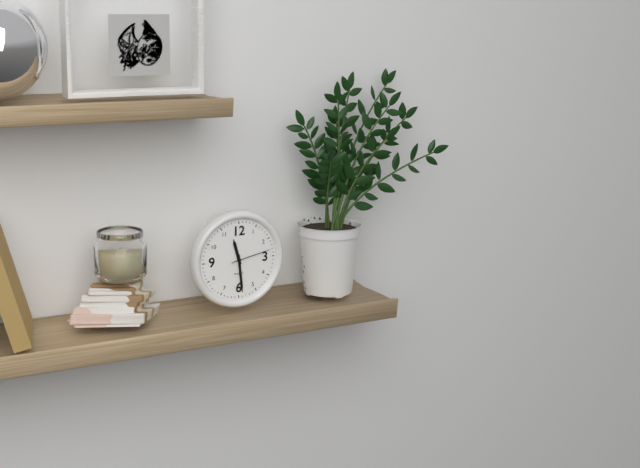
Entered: 11h29
